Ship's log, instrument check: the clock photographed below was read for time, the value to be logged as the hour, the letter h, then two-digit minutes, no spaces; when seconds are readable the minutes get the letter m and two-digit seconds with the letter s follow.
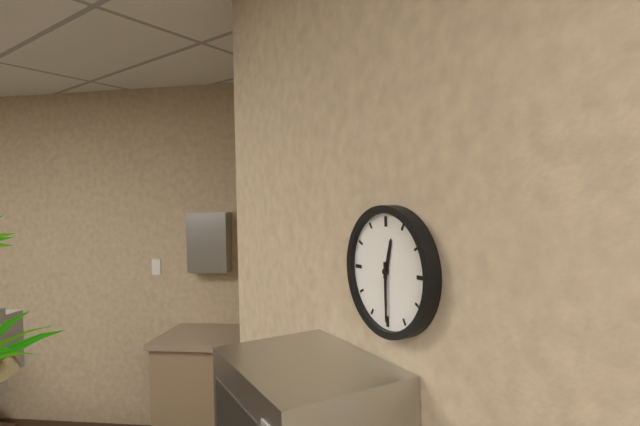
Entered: 12h30
